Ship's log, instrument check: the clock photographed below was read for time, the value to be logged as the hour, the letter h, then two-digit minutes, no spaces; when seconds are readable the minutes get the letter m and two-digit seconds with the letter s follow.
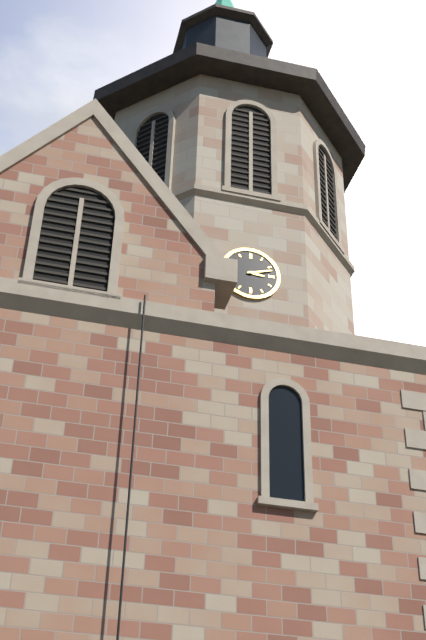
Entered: 3h12
